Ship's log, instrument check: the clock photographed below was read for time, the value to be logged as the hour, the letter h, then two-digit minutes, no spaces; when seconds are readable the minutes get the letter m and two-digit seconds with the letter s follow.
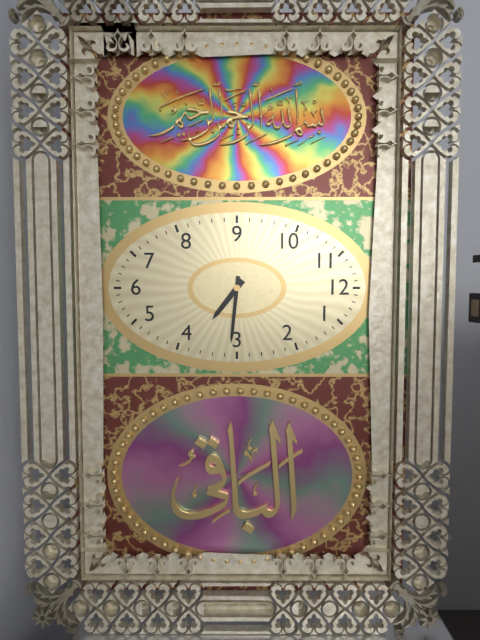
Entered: 4h16
